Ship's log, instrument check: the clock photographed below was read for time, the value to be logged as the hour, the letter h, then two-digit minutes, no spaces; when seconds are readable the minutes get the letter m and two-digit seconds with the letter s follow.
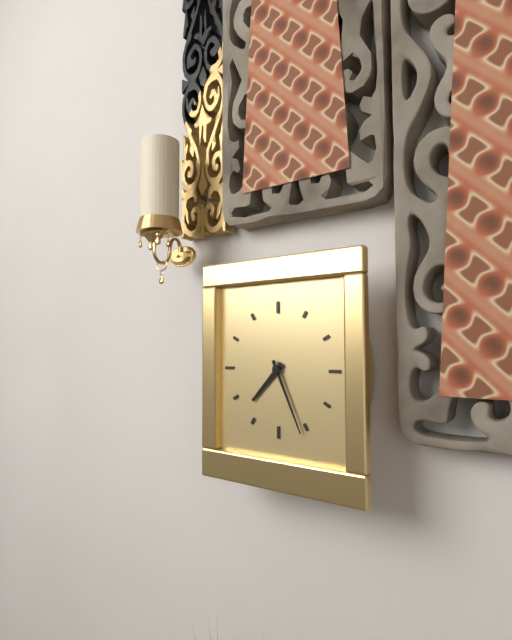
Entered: 7h26
